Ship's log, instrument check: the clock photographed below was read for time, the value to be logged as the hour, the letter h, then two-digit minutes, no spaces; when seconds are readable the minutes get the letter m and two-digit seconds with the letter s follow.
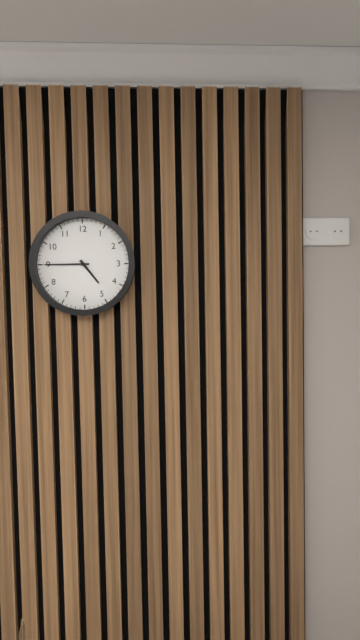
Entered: 4h45
